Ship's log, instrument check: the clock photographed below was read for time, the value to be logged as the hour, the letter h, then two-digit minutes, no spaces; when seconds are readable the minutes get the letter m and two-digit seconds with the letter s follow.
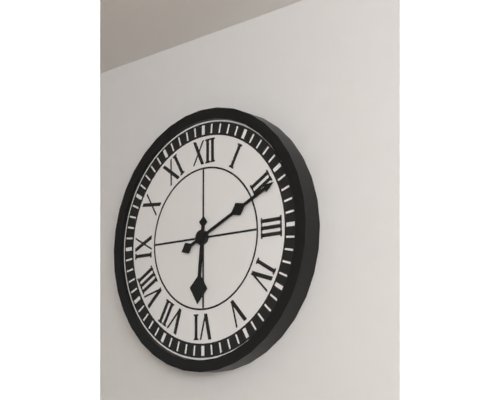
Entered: 6h11
